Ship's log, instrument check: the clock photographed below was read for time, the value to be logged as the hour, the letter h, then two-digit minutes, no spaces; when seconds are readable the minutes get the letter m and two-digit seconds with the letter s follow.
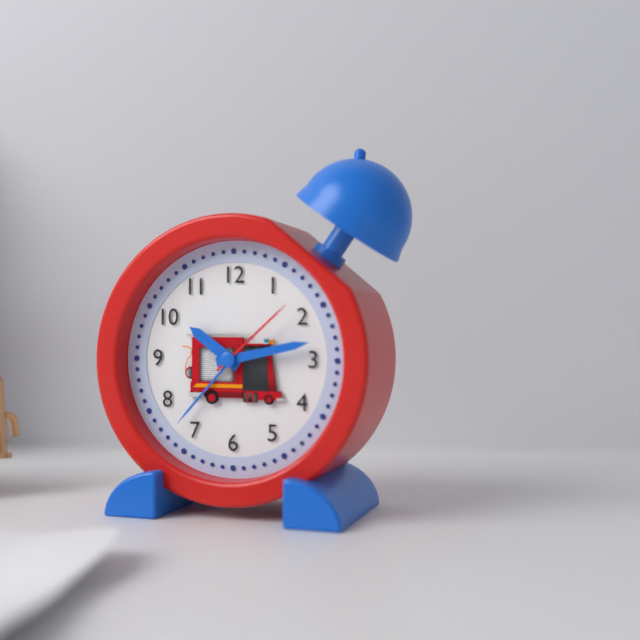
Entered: 10h13m08s
